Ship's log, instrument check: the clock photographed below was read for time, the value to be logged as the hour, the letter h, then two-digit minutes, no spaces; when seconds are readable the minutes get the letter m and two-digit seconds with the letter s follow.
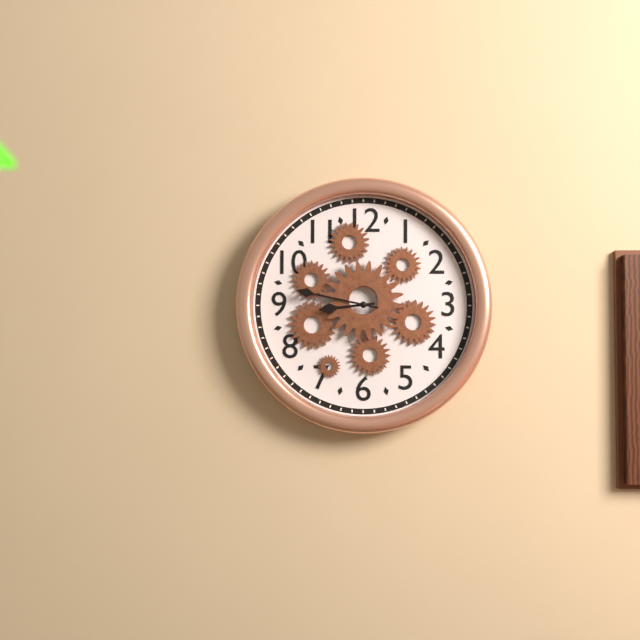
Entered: 8h47
